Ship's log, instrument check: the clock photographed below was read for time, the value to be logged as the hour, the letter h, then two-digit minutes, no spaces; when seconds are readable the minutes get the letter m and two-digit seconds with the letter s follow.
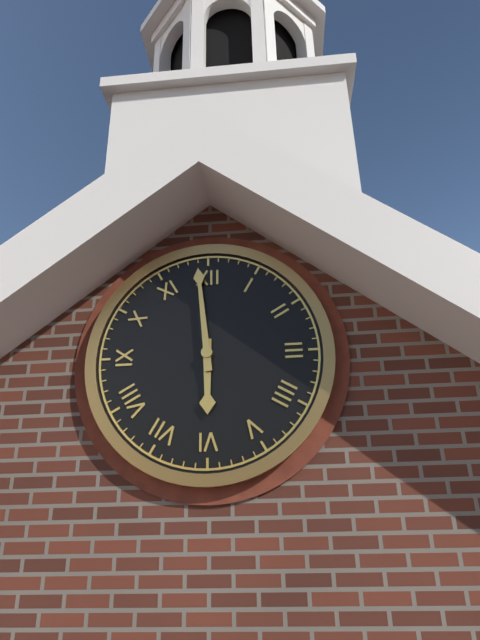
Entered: 5h59
